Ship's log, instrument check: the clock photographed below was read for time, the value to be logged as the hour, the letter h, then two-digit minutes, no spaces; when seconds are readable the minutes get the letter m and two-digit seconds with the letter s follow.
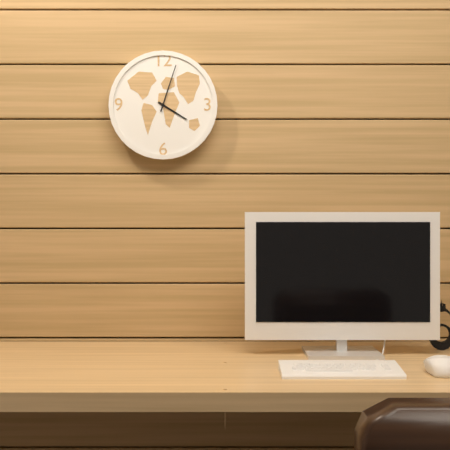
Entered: 4h03
